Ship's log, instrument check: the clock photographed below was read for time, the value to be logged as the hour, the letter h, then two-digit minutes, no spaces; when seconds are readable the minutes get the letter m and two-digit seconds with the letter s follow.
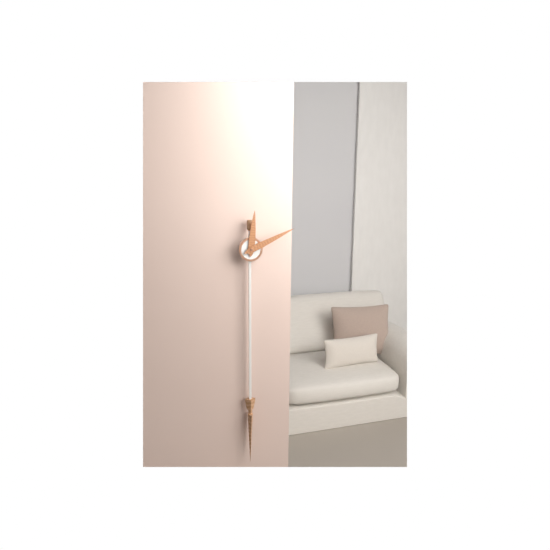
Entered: 12h11
